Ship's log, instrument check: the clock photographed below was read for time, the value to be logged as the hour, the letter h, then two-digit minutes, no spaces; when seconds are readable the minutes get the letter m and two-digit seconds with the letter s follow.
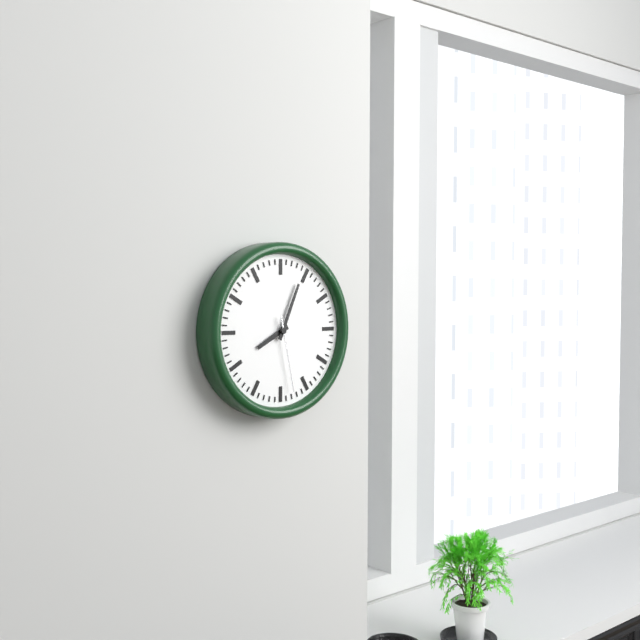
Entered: 8h04m28s
